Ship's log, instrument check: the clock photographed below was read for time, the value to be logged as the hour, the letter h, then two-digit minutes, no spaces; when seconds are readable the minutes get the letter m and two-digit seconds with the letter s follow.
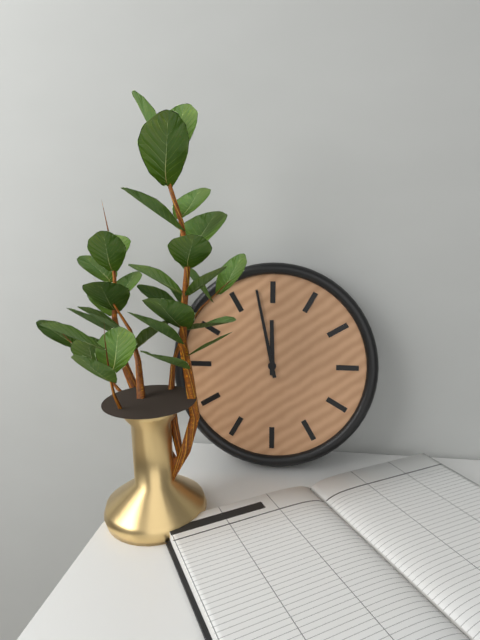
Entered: 11h58
